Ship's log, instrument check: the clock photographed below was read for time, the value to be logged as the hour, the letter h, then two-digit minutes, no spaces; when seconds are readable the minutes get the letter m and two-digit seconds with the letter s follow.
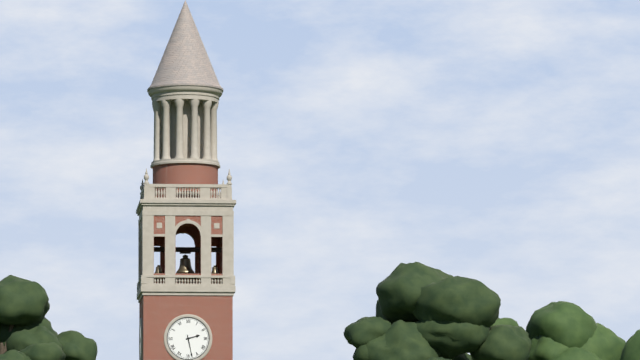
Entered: 2h28
